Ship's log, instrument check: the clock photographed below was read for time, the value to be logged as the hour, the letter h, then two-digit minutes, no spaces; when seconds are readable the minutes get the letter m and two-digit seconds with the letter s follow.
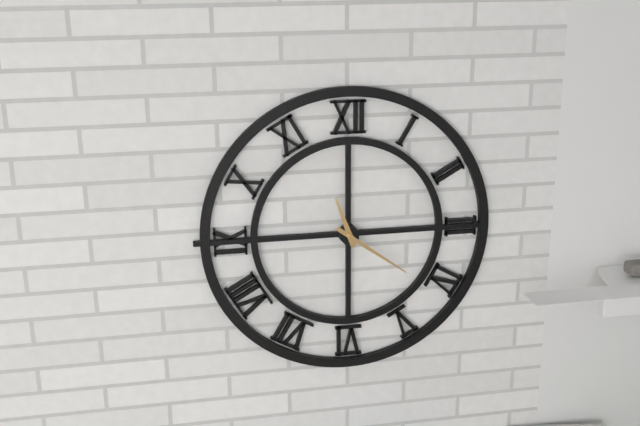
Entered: 11h21
